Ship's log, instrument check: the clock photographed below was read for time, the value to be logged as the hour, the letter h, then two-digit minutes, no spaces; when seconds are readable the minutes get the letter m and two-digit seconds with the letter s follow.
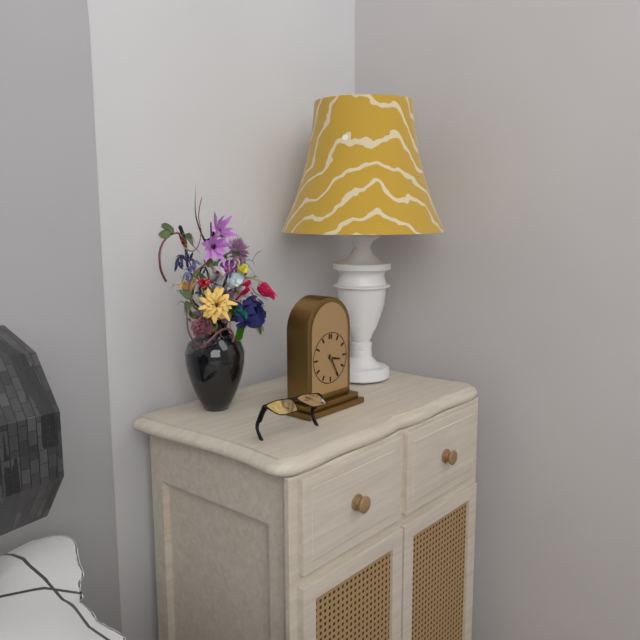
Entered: 3h25
